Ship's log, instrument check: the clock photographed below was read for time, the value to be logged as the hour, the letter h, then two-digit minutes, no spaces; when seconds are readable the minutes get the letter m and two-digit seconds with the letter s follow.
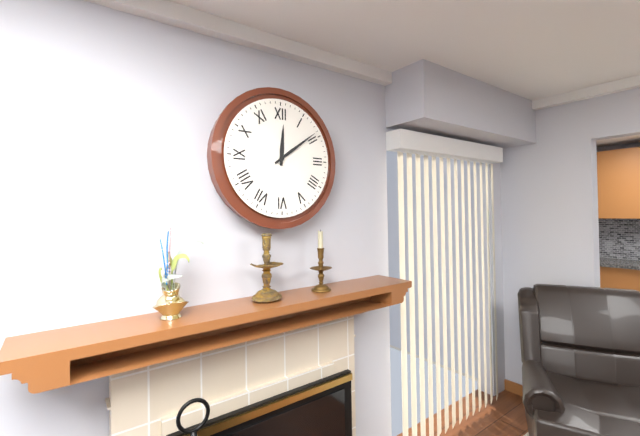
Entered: 12h09
